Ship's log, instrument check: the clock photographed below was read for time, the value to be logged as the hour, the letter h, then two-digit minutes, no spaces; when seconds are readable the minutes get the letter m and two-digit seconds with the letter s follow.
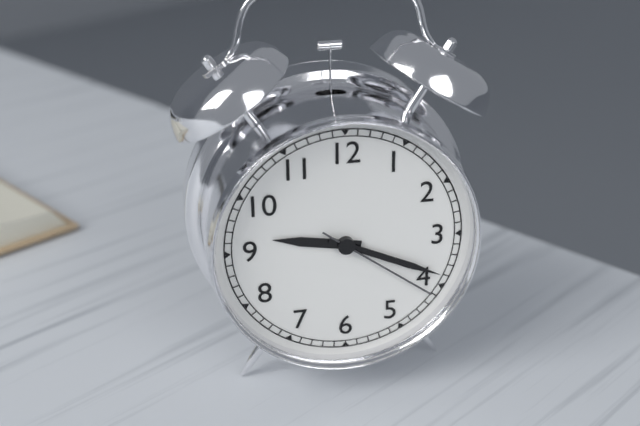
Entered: 9h19m21s
